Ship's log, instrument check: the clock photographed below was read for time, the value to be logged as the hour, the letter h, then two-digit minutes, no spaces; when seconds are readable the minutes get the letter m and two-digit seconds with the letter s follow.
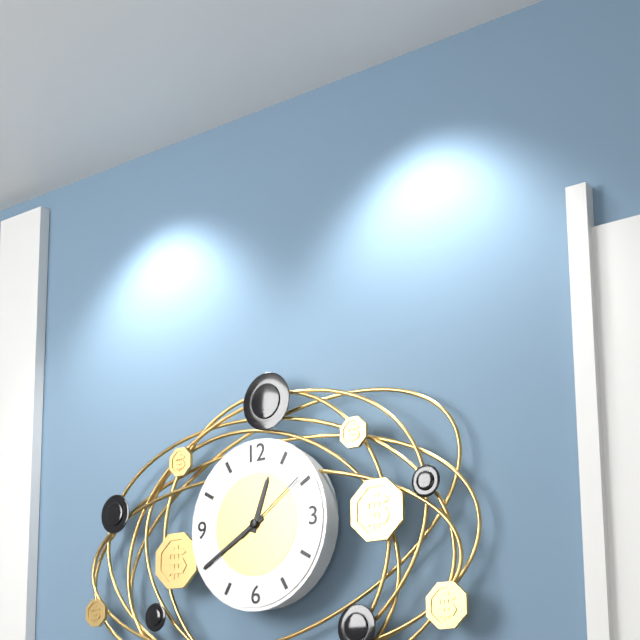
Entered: 12h40m09s
